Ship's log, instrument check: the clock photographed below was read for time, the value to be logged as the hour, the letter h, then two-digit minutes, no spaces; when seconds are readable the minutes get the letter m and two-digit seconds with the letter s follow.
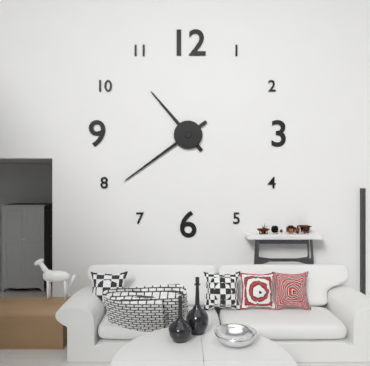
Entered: 10h39
